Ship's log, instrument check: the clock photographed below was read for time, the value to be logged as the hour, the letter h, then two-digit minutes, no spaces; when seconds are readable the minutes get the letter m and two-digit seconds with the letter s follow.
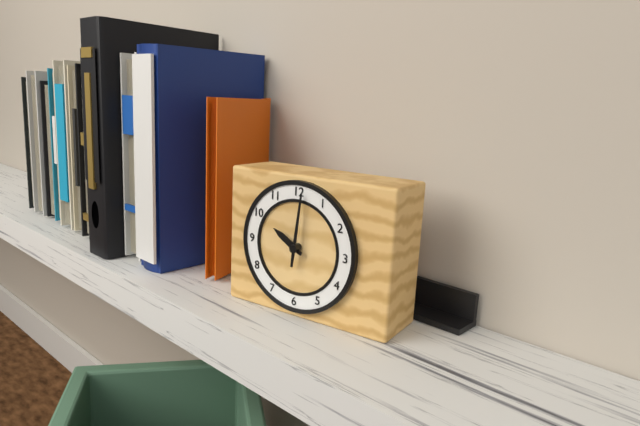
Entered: 10h01
